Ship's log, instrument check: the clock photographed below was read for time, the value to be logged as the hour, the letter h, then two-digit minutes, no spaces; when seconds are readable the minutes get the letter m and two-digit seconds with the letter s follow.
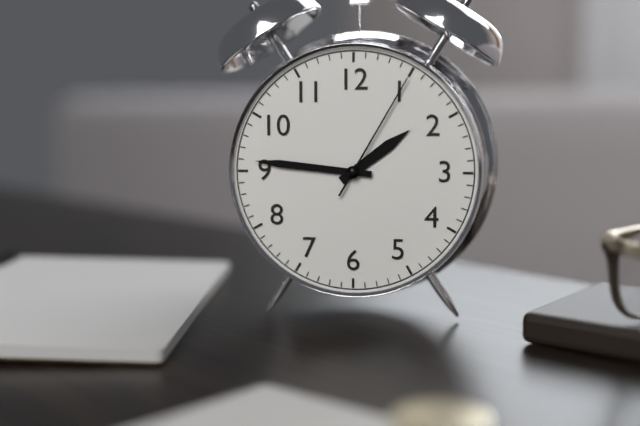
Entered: 1h46m05s
